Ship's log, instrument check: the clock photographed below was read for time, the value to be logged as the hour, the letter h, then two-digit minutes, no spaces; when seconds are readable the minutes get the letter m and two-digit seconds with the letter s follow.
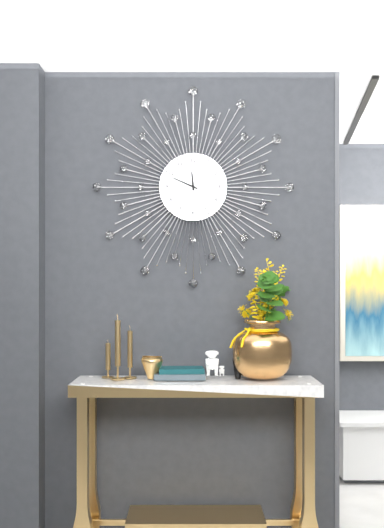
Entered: 11h49
